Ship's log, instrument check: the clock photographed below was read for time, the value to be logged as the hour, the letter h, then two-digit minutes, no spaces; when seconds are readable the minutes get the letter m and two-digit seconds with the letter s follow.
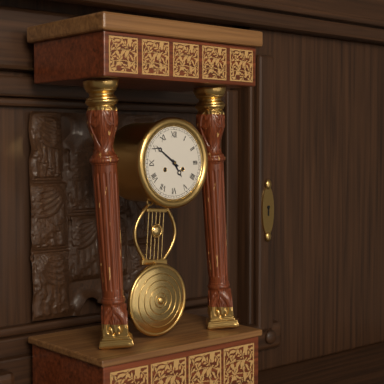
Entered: 4h51
